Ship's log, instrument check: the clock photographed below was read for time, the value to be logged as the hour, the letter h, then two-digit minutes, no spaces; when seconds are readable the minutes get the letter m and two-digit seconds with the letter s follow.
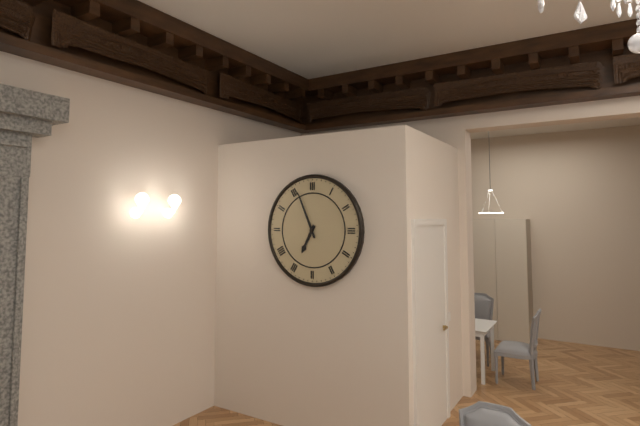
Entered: 6h56
